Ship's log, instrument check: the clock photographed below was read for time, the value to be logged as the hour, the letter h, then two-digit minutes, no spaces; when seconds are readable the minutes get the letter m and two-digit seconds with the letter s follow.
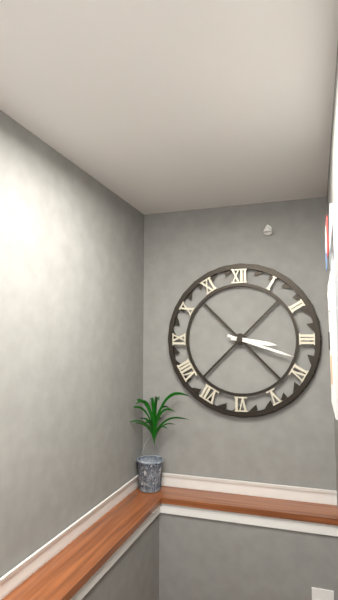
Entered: 3h18
